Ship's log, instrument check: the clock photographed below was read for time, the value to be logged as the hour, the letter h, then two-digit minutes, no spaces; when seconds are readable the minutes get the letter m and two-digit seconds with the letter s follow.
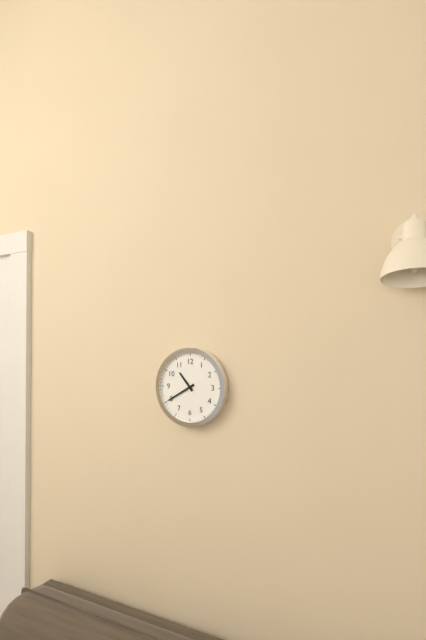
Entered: 10h40
